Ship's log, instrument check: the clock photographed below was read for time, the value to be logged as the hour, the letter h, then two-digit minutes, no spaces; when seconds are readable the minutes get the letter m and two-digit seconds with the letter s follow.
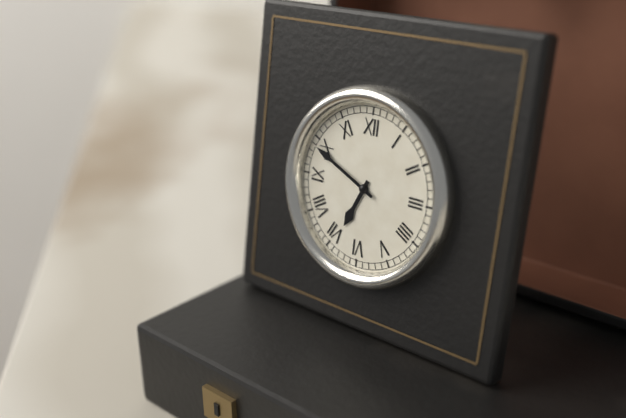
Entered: 6h49
